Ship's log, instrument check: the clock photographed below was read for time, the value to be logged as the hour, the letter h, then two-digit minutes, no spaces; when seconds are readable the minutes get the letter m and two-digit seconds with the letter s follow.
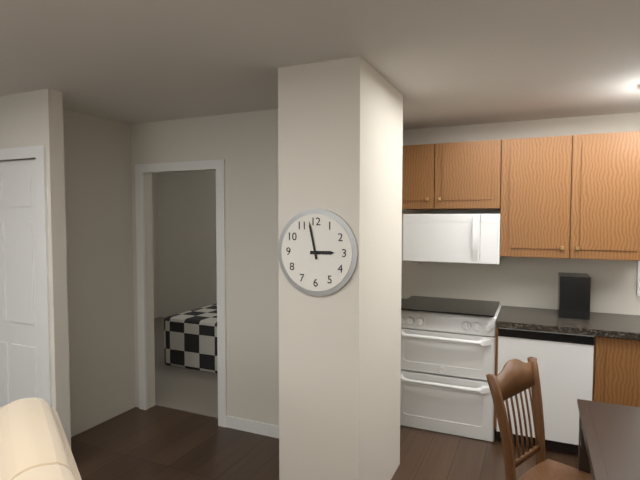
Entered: 2h58
